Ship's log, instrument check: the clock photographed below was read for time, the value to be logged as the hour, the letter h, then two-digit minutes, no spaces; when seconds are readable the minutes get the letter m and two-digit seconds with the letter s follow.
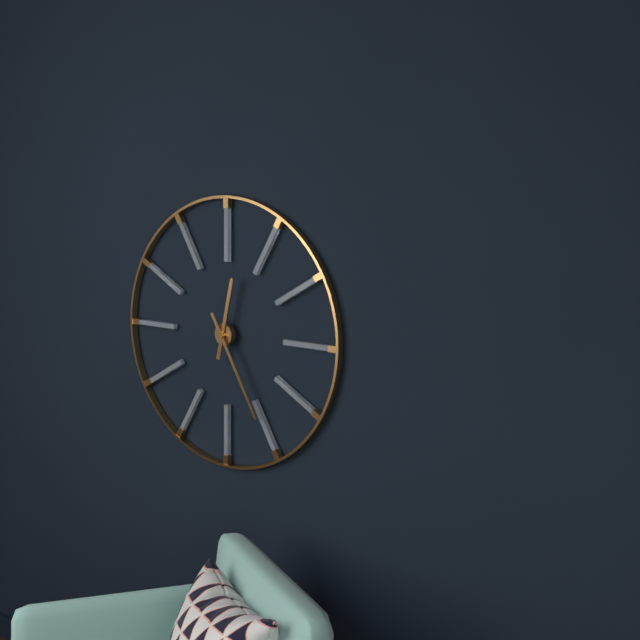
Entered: 12h25
